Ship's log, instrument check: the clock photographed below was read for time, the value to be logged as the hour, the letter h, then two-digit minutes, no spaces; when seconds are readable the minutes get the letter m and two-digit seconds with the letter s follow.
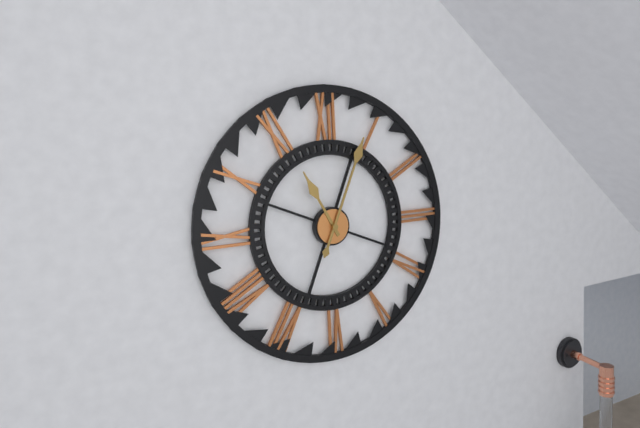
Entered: 11h04
